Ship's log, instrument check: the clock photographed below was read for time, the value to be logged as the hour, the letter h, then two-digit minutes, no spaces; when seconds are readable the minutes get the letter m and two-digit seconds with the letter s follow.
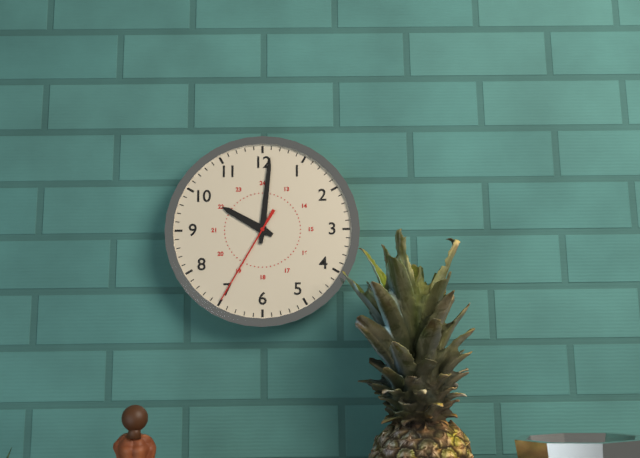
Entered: 10h01m35s
